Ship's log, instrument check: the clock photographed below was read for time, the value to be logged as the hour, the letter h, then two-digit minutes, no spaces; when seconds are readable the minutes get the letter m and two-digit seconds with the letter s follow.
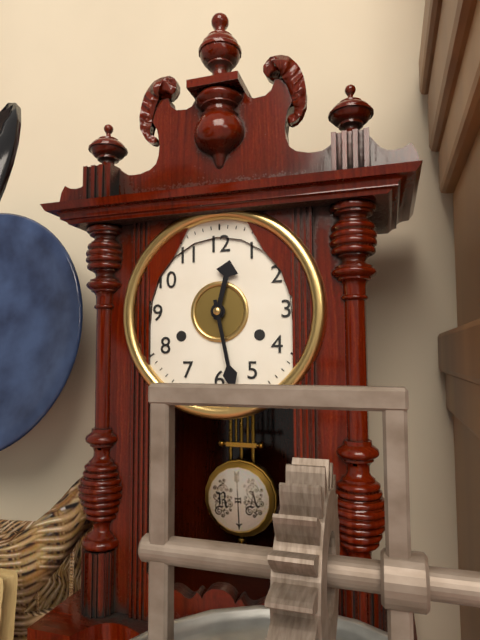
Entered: 12h28
